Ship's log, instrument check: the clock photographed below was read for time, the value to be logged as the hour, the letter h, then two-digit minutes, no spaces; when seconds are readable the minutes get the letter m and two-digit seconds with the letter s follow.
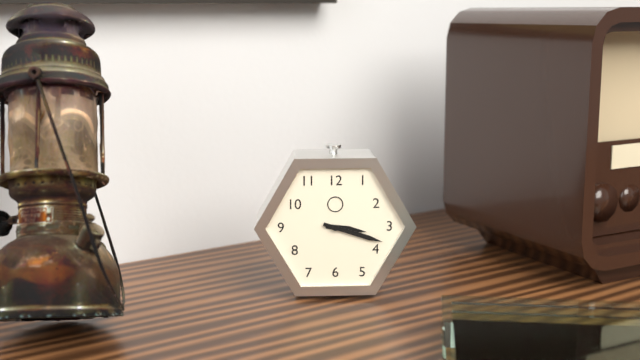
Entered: 3h18
